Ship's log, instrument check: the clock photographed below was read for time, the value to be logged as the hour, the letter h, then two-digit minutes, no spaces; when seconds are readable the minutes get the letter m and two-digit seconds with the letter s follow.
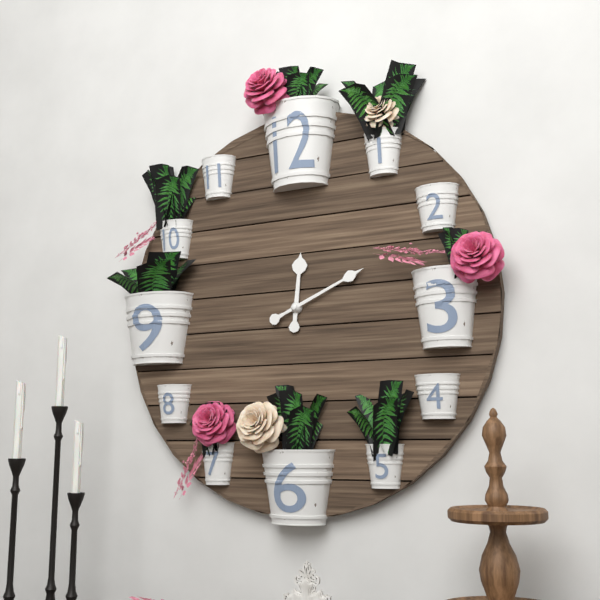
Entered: 12h11
